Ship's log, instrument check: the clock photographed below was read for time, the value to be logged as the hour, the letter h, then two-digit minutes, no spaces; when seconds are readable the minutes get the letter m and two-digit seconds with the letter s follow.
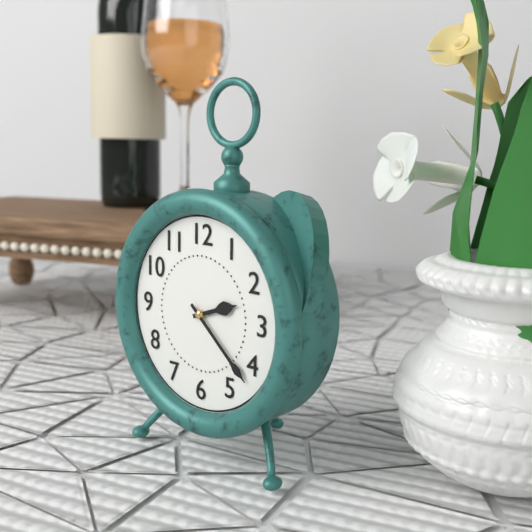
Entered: 2h22
